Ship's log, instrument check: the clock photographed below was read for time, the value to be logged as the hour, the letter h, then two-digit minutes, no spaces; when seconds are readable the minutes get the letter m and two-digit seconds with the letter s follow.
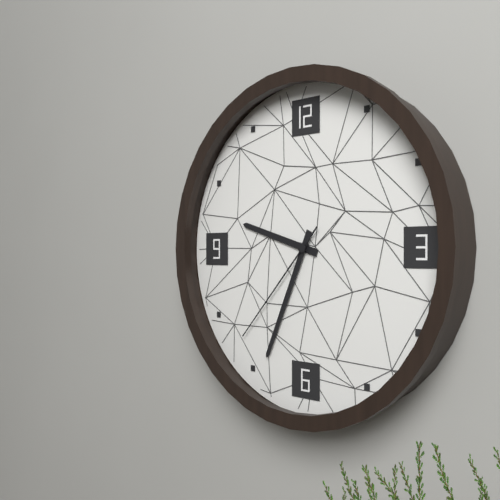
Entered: 9h34m37s
